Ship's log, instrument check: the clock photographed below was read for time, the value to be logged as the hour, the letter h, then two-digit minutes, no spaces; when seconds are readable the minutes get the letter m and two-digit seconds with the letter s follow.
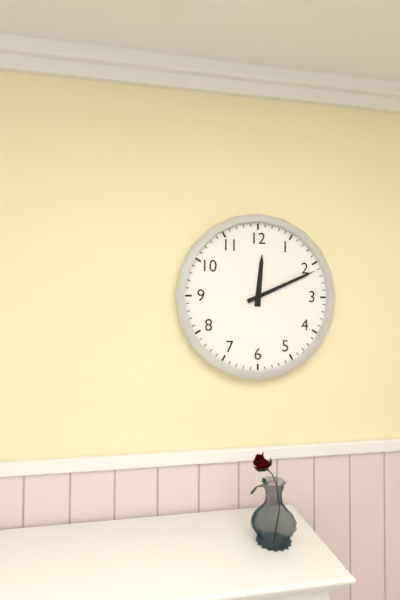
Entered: 12h11
